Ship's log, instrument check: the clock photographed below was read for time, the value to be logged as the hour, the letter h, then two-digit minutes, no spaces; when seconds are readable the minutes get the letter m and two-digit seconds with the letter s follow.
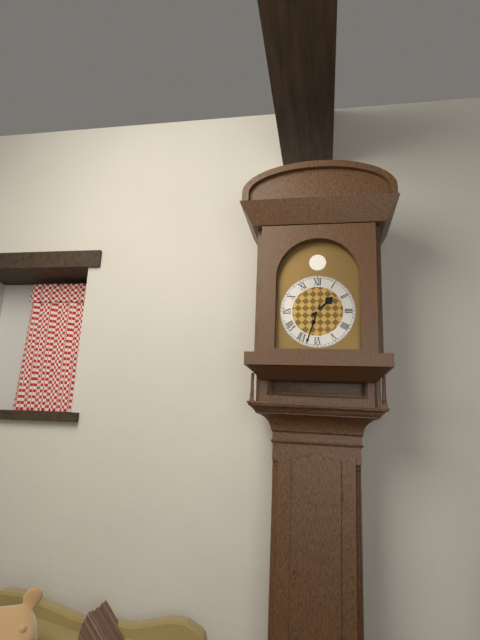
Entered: 1h33
